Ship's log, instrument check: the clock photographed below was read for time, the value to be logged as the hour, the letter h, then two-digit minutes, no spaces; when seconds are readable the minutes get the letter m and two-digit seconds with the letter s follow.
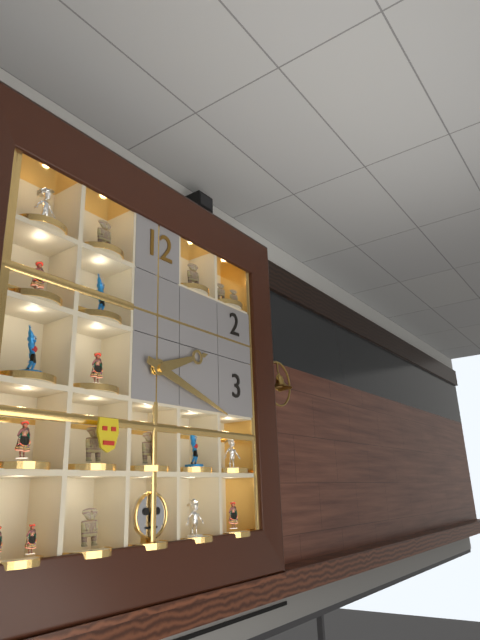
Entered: 2h18
